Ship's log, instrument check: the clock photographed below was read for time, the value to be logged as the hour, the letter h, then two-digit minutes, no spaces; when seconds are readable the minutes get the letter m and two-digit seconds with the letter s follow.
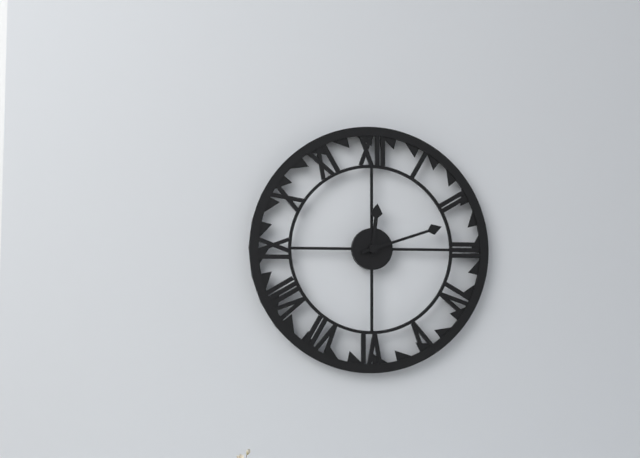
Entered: 12h12
